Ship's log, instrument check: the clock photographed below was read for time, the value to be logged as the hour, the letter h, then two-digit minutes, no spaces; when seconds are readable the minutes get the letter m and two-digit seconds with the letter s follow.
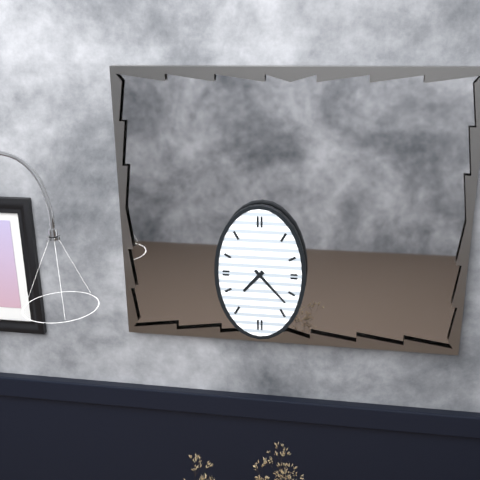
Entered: 7h23
